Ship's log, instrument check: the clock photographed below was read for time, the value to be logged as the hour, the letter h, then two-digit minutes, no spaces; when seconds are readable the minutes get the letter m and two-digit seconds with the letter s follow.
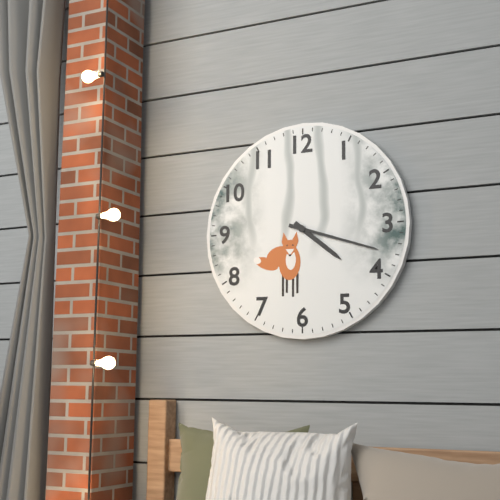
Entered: 4h18
